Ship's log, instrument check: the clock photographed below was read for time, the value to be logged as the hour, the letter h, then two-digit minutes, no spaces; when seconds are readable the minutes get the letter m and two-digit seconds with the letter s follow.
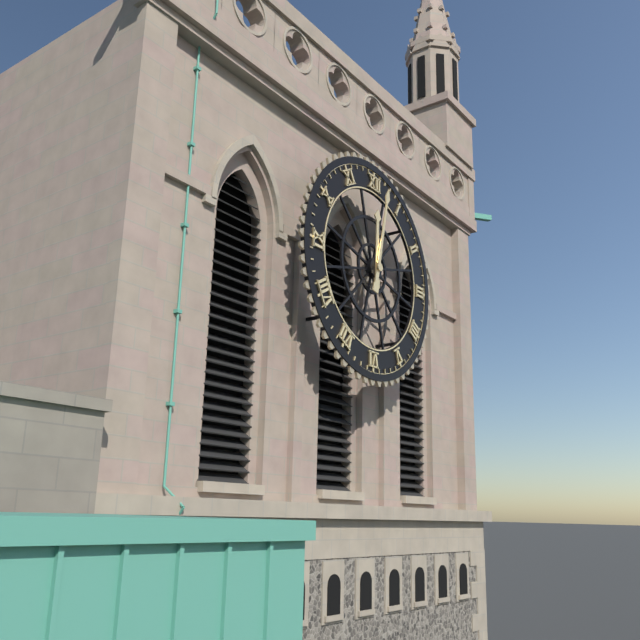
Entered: 12h02
